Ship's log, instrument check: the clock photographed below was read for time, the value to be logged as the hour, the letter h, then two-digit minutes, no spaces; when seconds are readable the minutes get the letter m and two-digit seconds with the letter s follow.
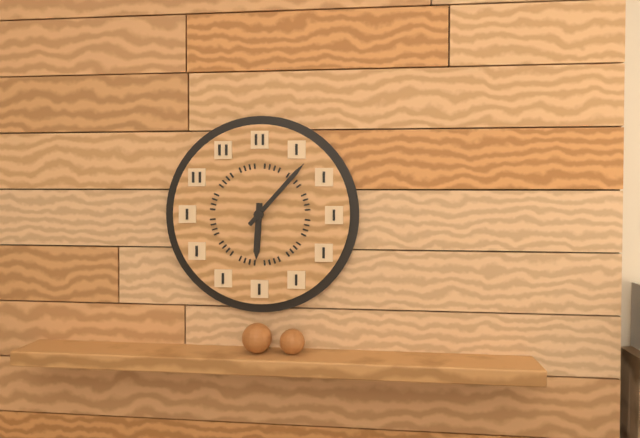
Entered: 6h07
